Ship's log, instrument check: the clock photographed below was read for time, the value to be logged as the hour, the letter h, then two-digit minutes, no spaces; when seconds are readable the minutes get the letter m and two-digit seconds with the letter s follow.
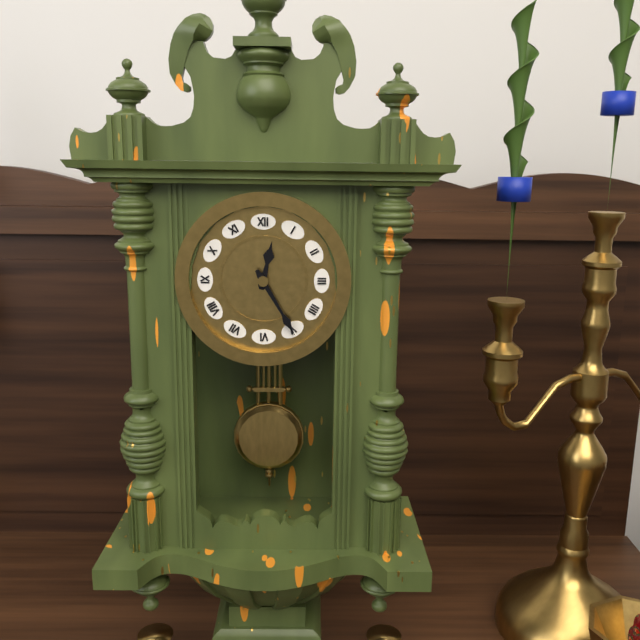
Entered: 12h25
